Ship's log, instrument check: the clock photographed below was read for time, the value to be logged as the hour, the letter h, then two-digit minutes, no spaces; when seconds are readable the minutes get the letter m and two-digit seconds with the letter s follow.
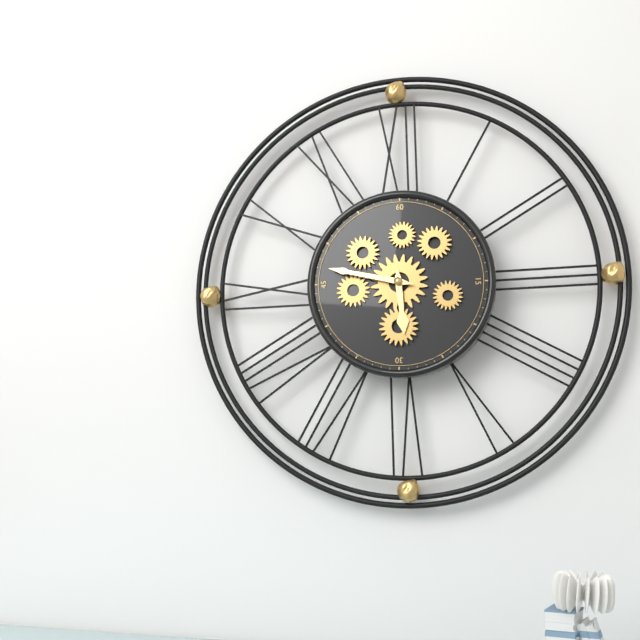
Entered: 5h47
